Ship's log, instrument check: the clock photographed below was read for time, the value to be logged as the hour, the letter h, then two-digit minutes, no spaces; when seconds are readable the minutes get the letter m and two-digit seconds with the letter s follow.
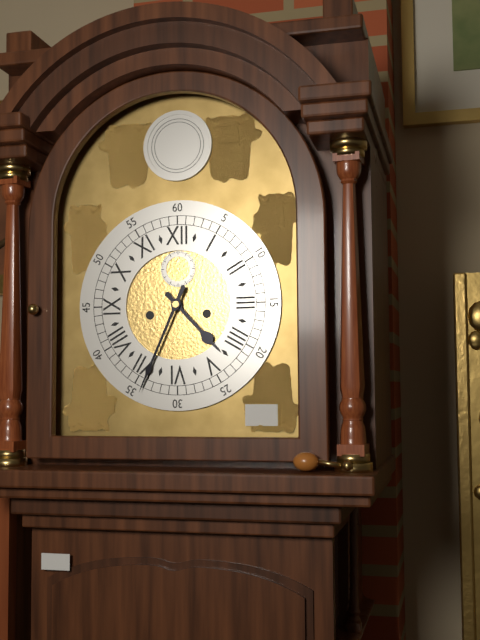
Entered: 4h34
